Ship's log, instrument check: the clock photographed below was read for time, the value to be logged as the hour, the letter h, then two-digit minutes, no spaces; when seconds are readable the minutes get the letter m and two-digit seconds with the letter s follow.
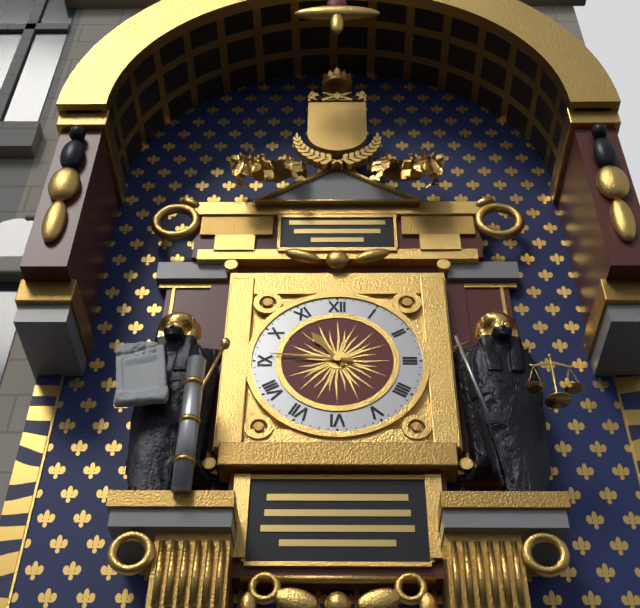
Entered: 10h46
